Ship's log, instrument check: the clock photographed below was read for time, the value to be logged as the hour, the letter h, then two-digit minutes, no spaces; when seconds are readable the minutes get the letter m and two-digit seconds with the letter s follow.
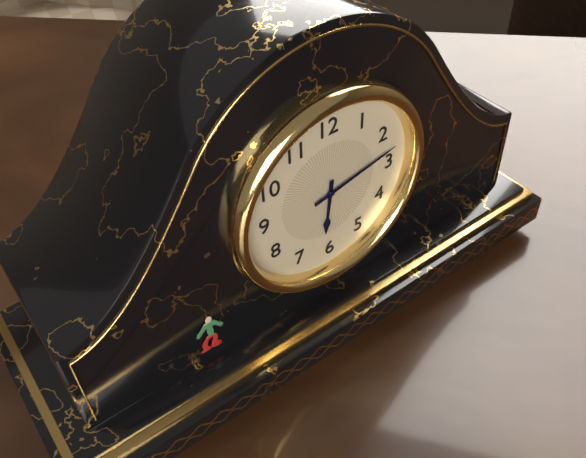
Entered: 6h13
